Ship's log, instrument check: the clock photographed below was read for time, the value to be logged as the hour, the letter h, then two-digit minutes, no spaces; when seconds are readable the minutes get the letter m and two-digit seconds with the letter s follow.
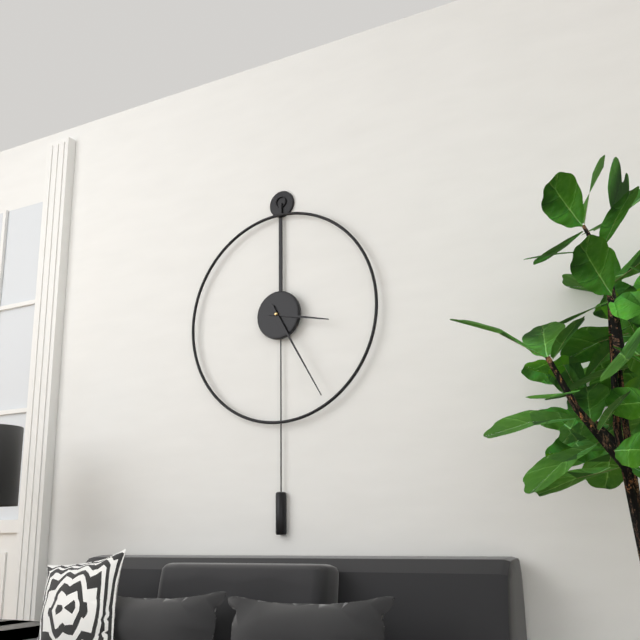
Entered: 3h25
